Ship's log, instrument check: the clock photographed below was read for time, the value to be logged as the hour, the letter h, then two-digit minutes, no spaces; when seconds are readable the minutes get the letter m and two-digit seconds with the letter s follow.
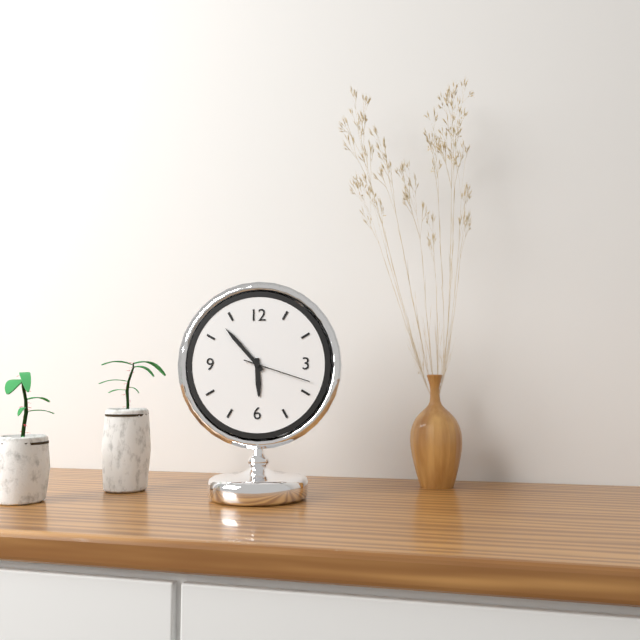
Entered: 5h53m18s
